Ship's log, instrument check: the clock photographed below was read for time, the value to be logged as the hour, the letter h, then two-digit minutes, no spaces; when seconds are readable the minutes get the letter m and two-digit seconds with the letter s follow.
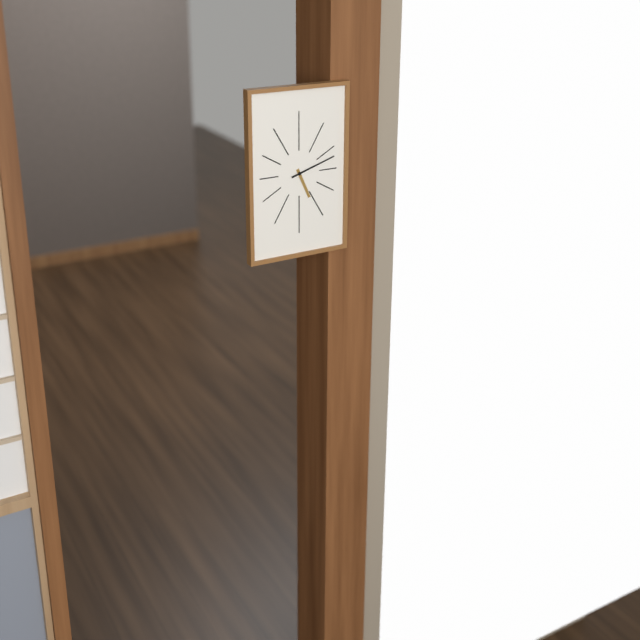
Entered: 5h12
